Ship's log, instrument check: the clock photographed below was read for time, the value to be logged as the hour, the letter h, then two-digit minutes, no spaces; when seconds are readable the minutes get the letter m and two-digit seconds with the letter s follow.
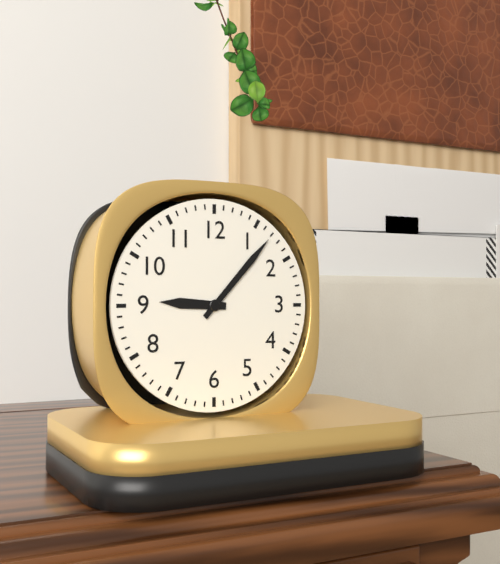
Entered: 9h07
